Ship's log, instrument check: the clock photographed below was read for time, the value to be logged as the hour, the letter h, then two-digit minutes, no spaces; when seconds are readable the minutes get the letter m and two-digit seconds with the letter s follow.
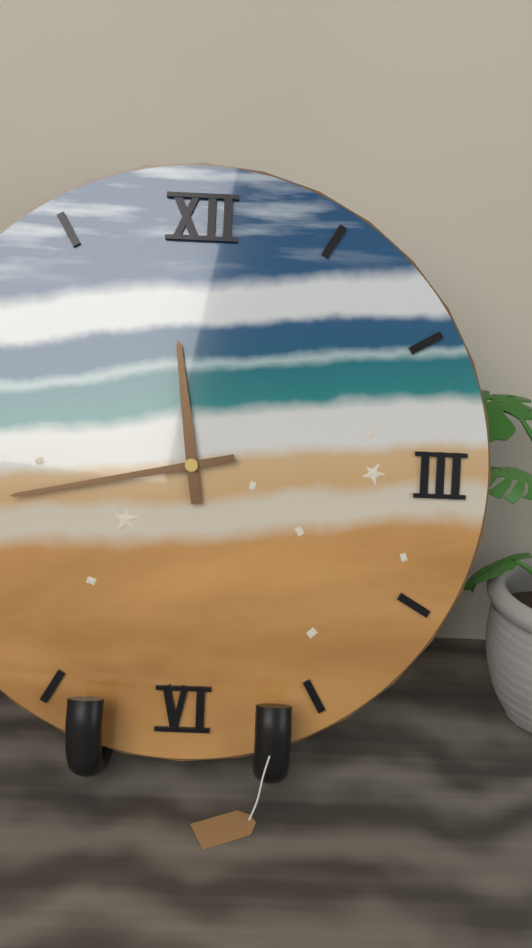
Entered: 11h43
